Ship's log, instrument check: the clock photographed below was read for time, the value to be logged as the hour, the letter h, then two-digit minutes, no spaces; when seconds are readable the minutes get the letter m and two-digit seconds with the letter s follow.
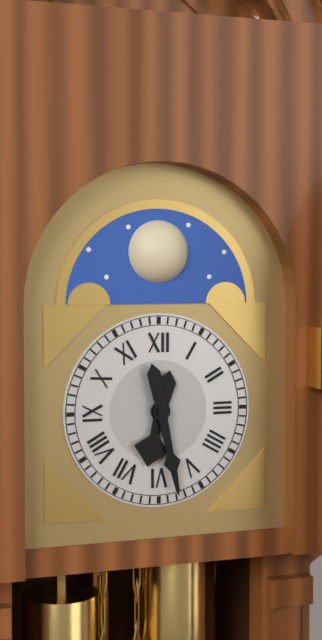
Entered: 6h28
